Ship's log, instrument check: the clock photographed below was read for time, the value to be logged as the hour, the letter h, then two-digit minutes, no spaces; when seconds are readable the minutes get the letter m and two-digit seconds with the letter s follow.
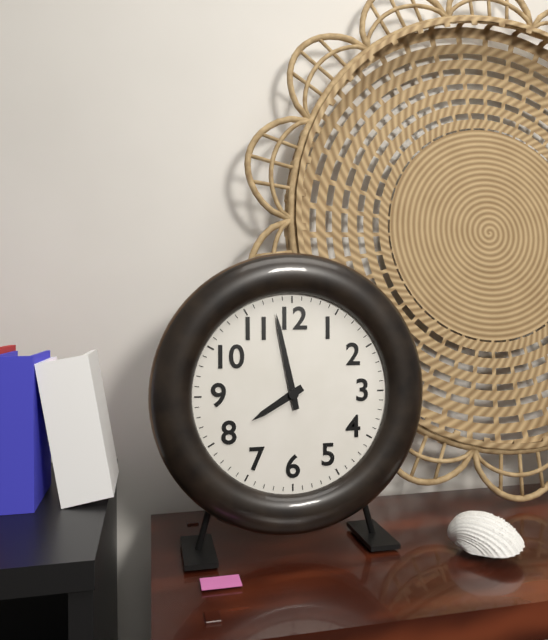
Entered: 7h58
